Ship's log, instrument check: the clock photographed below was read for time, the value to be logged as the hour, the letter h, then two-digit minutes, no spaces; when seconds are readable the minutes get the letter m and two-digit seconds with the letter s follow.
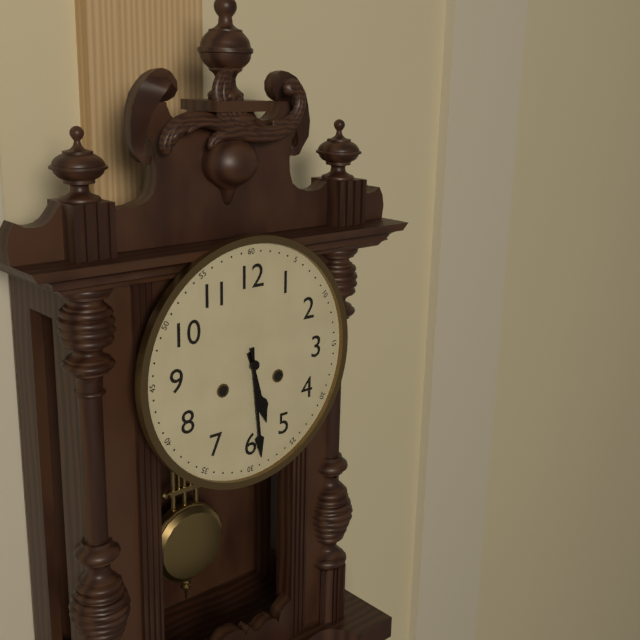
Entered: 5h29
